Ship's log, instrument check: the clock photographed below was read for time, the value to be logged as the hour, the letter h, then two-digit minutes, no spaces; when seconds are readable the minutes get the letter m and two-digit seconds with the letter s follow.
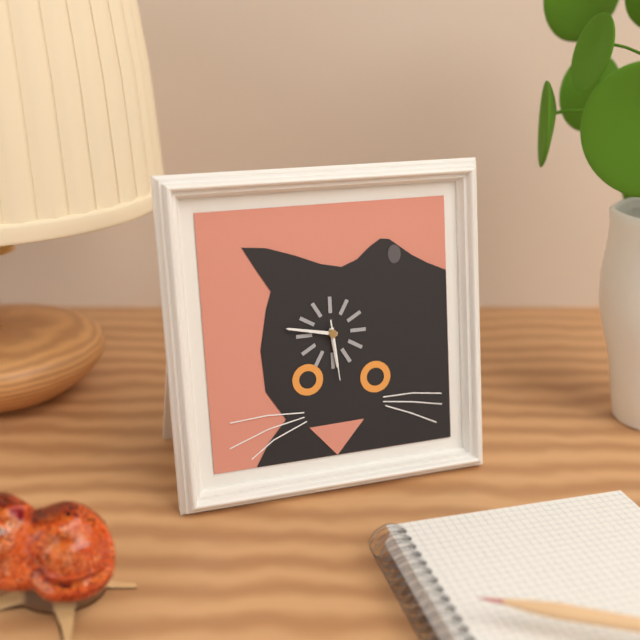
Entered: 5h47m29s
